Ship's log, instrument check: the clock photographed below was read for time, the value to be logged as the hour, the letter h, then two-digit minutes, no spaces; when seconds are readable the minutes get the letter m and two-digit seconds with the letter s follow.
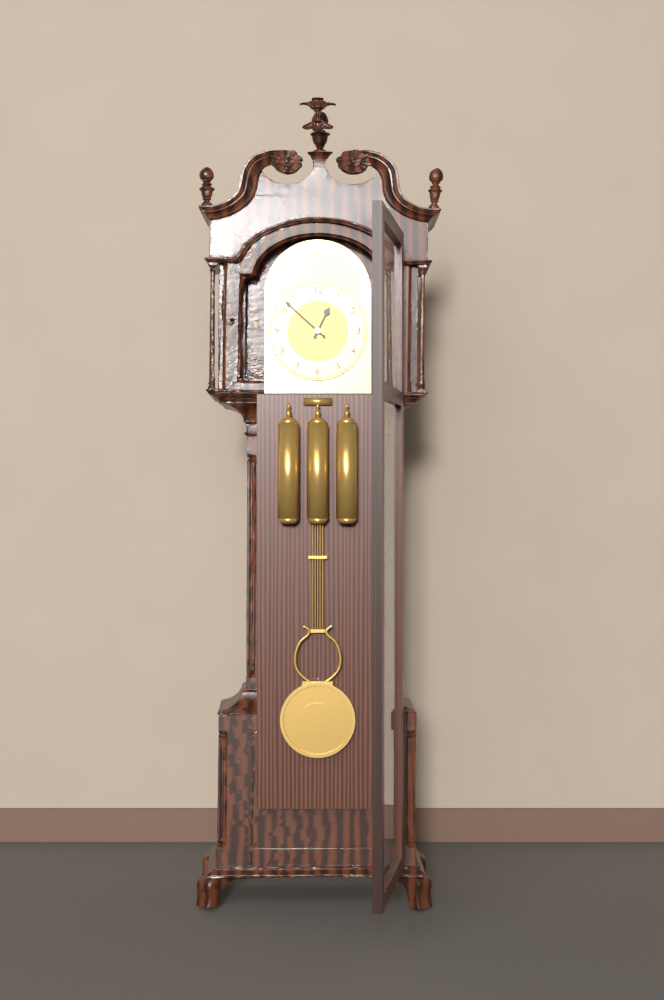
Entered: 12h52
